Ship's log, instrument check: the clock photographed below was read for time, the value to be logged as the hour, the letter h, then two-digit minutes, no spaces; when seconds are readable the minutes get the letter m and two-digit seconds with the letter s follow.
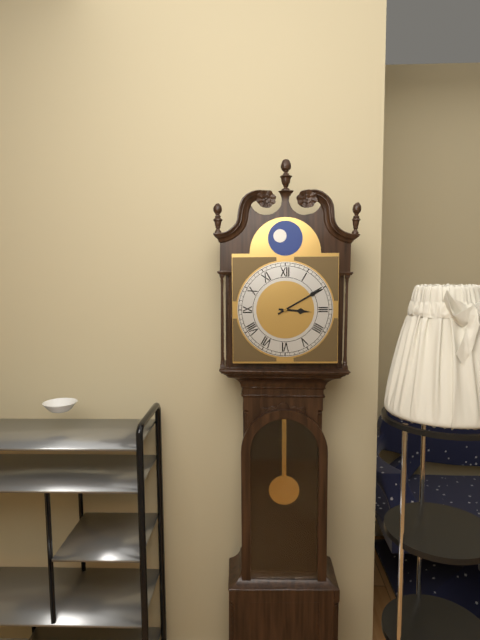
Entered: 3h10
